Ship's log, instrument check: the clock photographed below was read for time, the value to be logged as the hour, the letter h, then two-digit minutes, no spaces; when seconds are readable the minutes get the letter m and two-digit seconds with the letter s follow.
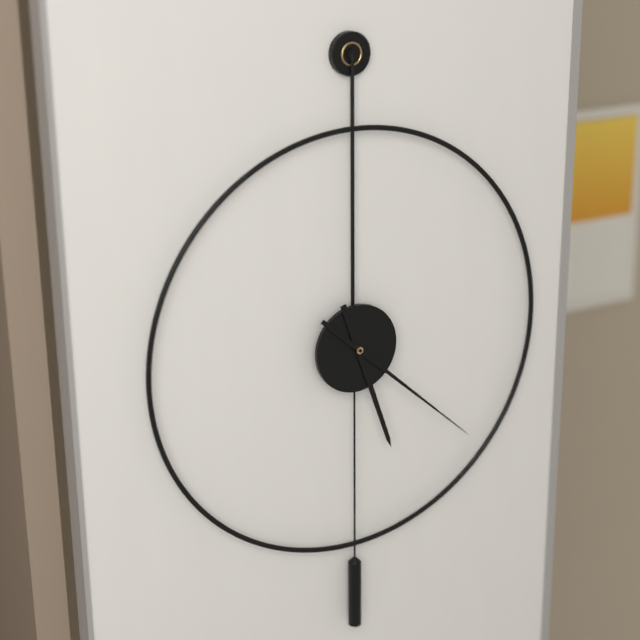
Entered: 5h22
